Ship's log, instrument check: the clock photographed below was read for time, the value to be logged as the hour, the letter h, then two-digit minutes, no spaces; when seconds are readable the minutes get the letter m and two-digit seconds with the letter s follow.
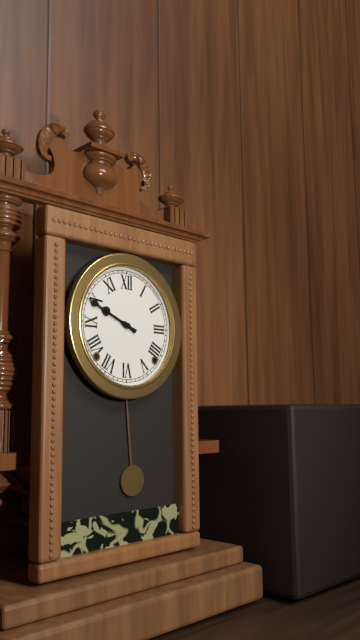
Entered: 9h49
